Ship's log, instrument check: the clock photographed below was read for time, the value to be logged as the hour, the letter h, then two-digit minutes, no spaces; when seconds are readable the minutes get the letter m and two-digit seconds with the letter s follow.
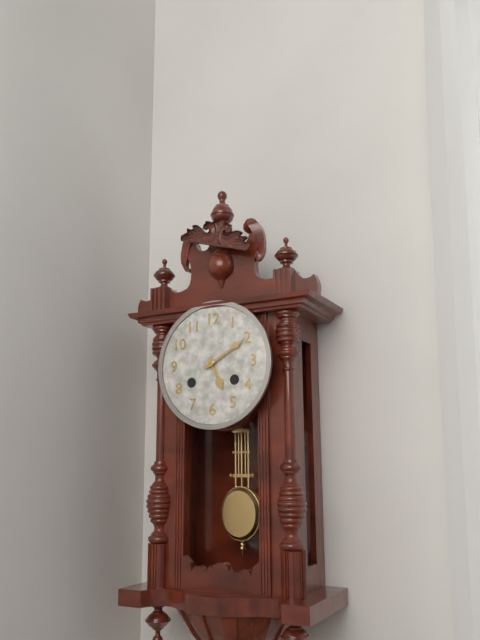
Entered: 5h10
